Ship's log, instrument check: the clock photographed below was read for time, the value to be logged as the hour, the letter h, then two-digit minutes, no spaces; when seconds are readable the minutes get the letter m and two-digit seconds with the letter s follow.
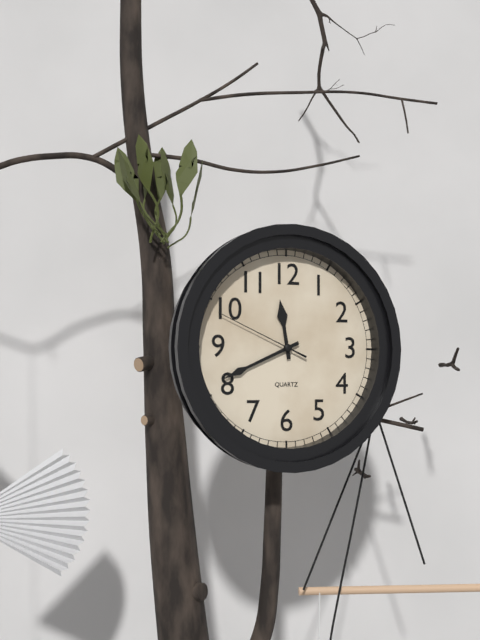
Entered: 11h41m49s
